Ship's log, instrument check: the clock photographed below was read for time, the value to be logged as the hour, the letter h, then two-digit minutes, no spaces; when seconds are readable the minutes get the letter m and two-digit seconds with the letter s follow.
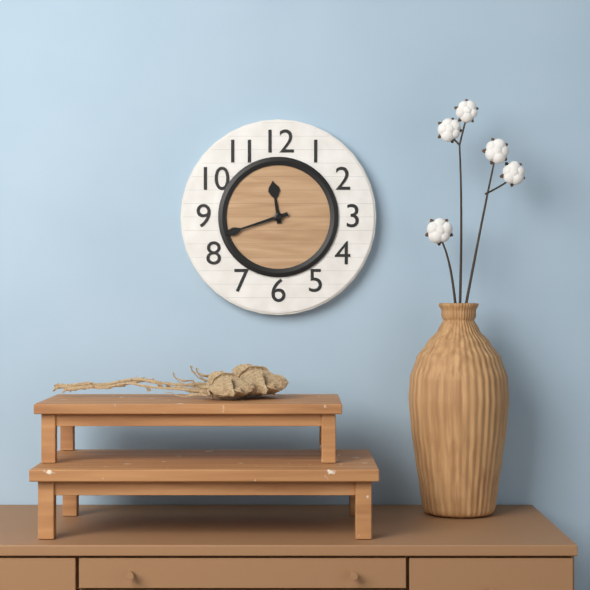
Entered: 11h42
